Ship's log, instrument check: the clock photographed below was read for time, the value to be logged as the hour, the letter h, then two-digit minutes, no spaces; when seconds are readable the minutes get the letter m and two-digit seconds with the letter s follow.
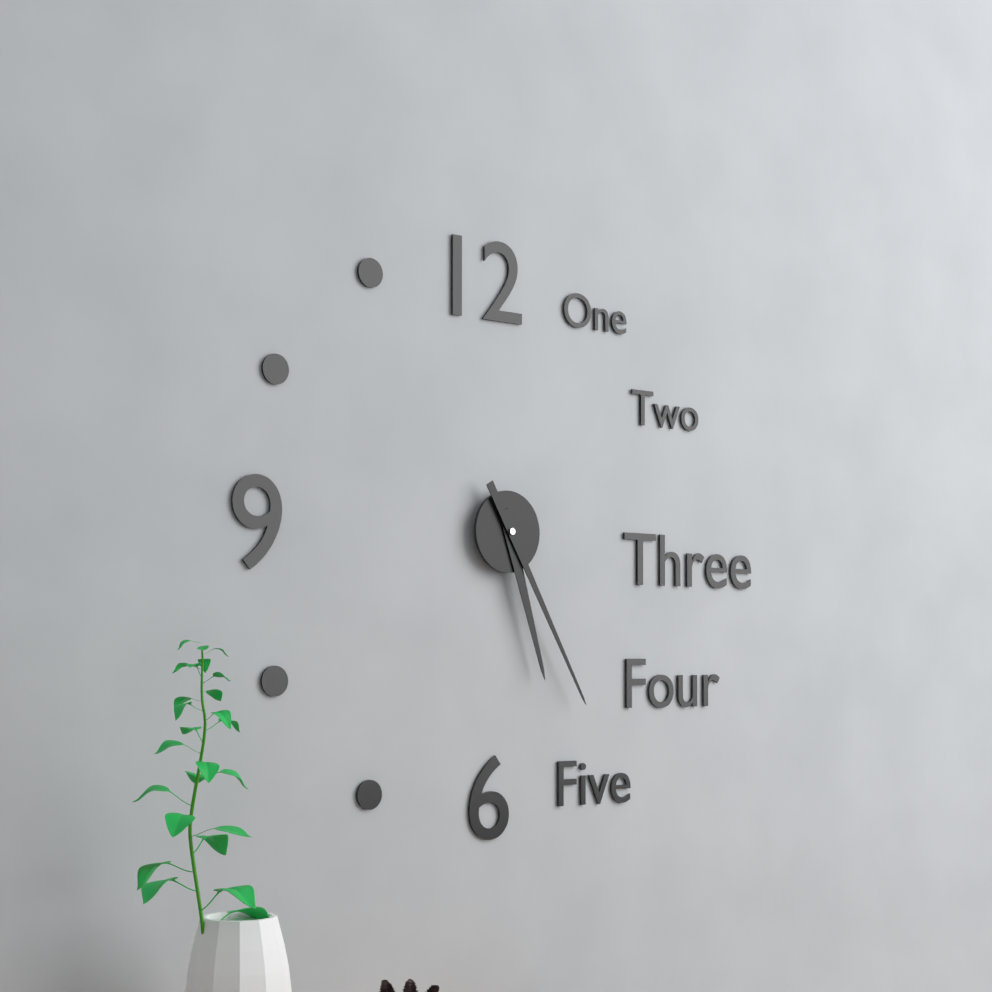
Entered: 5h25
